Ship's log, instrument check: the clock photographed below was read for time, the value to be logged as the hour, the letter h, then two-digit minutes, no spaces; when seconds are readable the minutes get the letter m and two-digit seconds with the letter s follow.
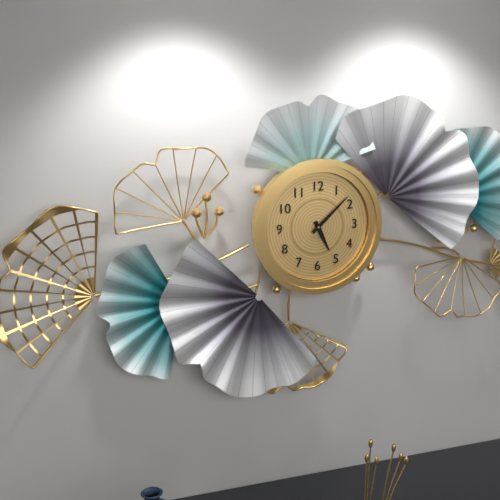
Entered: 5h08
